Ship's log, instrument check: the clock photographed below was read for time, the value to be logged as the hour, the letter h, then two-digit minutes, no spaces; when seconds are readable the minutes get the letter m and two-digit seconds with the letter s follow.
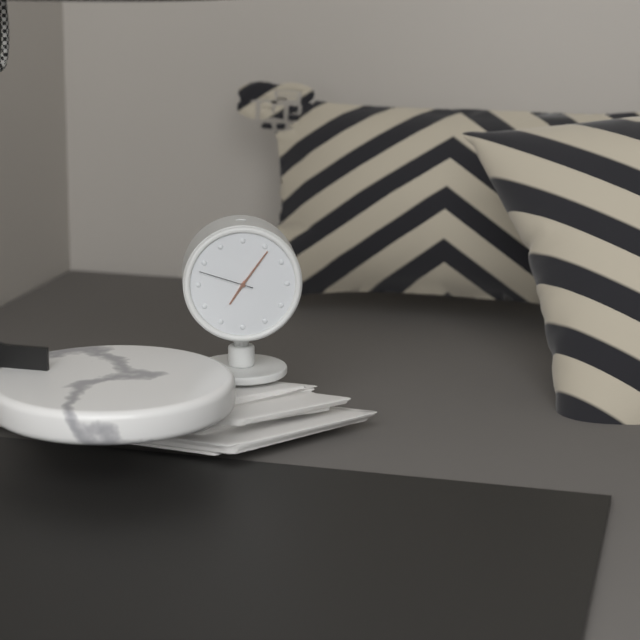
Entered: 7h06m48s
